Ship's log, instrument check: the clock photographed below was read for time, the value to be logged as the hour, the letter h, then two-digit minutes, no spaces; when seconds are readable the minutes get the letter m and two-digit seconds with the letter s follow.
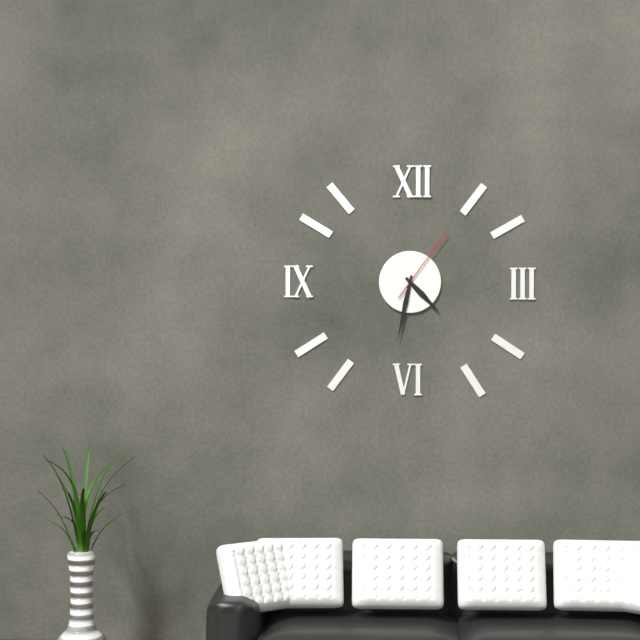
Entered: 4h32m06s
